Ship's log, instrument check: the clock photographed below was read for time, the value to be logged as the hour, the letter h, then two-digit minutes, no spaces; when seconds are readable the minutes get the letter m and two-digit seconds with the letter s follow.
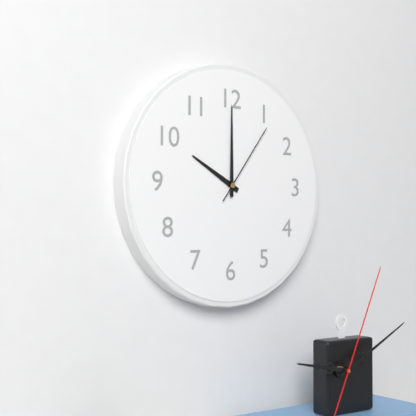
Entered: 10h00m06s
